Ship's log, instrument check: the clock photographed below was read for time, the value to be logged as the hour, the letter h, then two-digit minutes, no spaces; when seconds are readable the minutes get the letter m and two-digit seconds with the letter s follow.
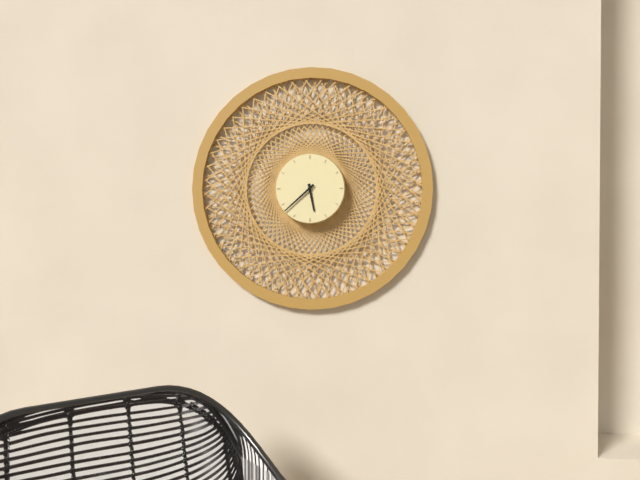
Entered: 5h38
